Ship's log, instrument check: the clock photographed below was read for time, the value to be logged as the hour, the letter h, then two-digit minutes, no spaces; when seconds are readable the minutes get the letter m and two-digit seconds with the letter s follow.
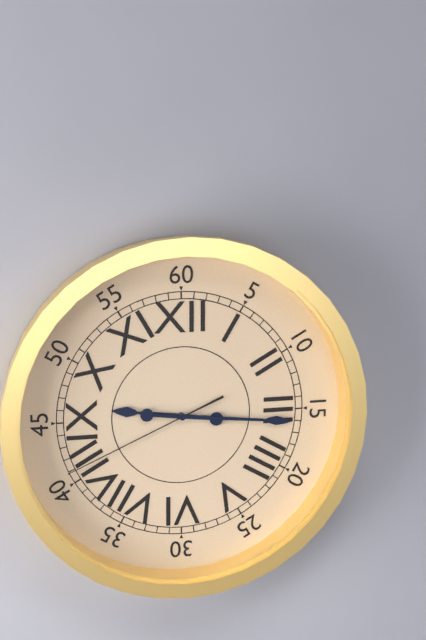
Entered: 9h16m41s
